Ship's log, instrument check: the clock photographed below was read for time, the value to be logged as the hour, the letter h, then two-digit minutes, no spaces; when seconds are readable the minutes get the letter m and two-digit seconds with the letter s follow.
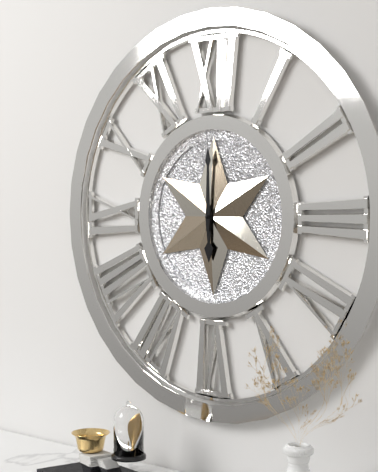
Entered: 6h00
